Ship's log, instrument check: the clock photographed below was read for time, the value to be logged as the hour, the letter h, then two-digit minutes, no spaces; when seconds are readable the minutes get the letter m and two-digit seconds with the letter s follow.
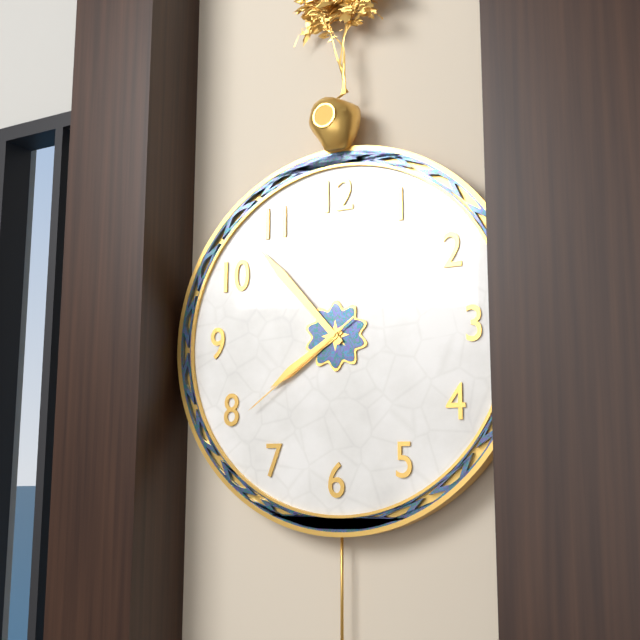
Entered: 7h53m39s
